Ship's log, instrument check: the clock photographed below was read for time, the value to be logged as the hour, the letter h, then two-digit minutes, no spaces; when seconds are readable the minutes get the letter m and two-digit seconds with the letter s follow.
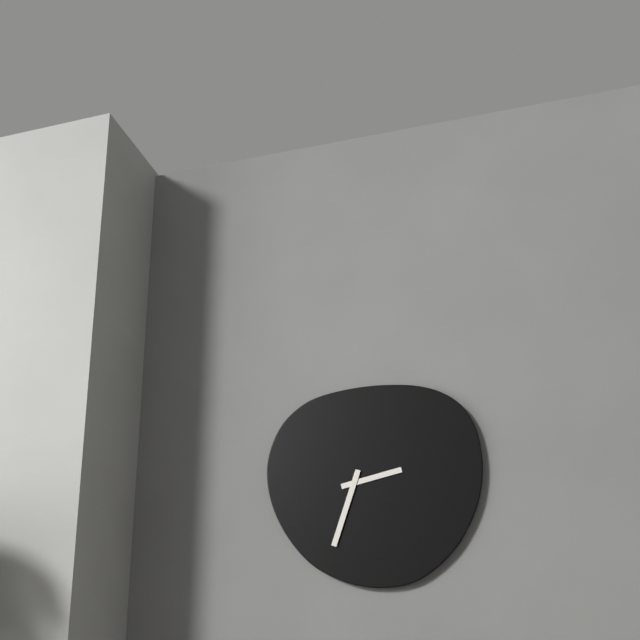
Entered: 2h33
